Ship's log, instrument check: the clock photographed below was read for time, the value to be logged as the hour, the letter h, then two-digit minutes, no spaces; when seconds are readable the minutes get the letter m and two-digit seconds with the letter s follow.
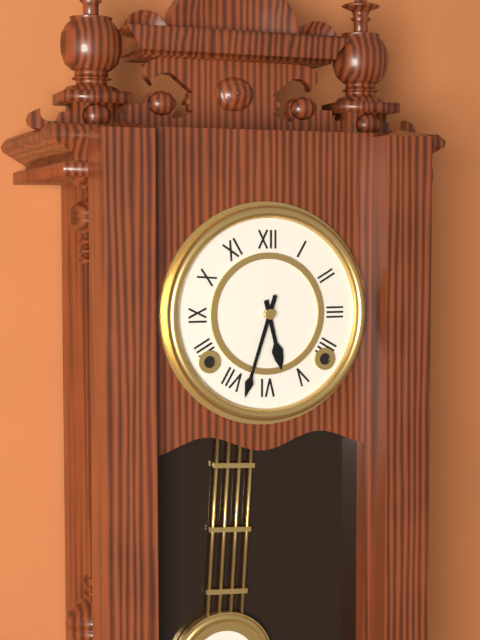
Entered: 5h33
